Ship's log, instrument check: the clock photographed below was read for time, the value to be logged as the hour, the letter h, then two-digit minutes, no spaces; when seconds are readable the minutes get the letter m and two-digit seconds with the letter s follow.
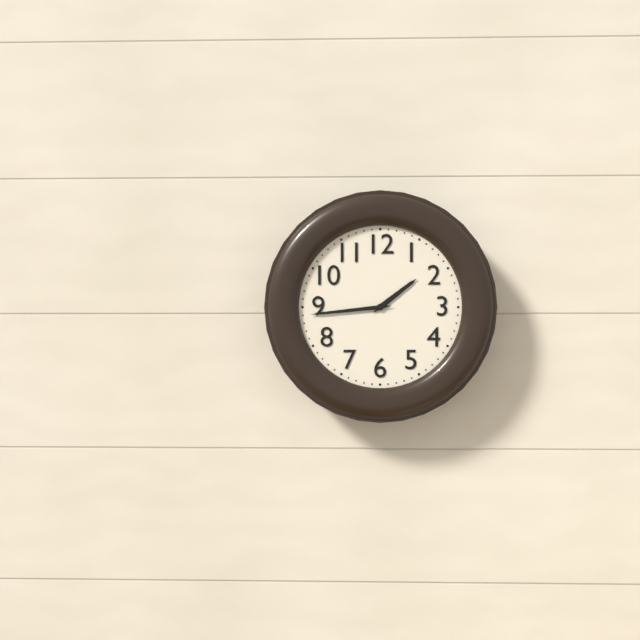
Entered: 1h44
